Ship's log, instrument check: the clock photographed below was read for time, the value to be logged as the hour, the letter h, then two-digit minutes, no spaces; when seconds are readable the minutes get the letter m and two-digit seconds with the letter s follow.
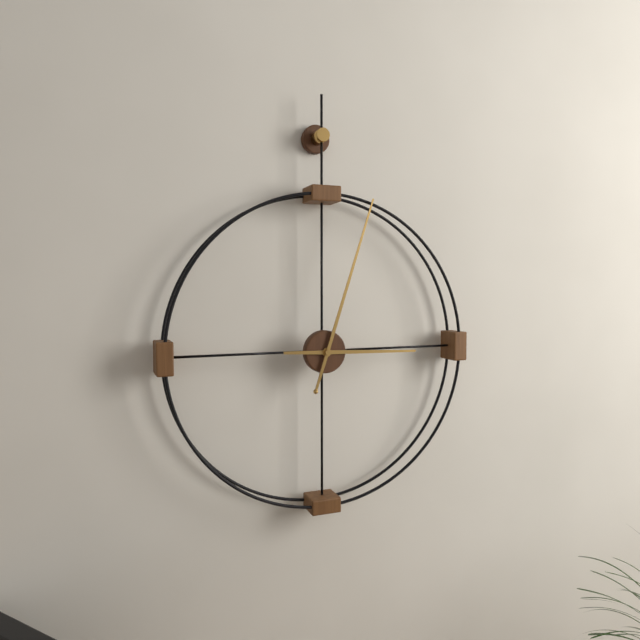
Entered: 3h03
